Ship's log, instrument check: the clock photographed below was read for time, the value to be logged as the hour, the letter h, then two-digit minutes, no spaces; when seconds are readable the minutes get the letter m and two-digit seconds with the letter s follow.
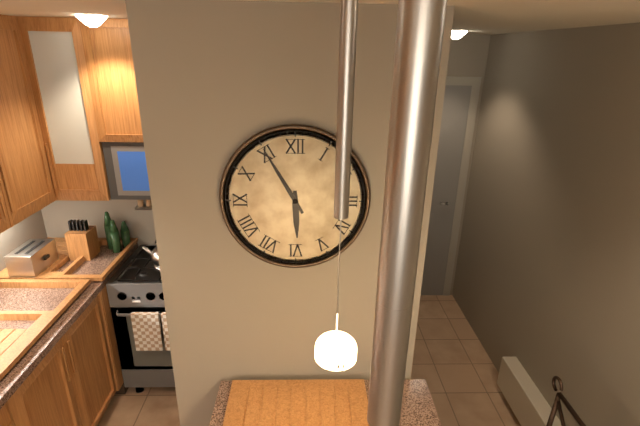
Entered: 5h55
